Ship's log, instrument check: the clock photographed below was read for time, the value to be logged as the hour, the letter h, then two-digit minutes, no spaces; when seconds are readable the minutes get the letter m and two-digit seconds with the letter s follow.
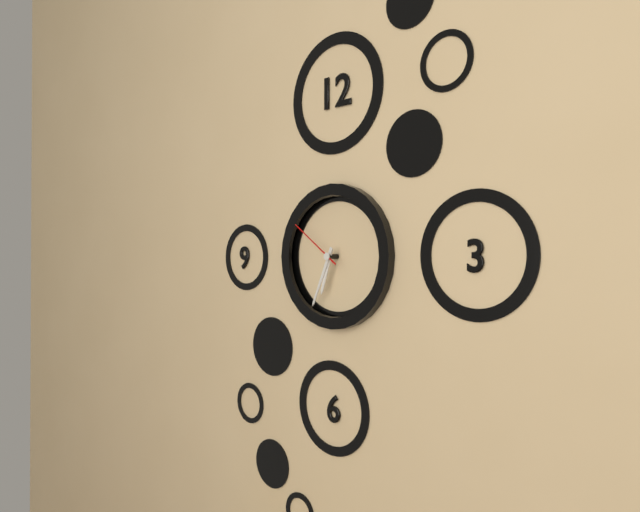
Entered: 6h34m51s
